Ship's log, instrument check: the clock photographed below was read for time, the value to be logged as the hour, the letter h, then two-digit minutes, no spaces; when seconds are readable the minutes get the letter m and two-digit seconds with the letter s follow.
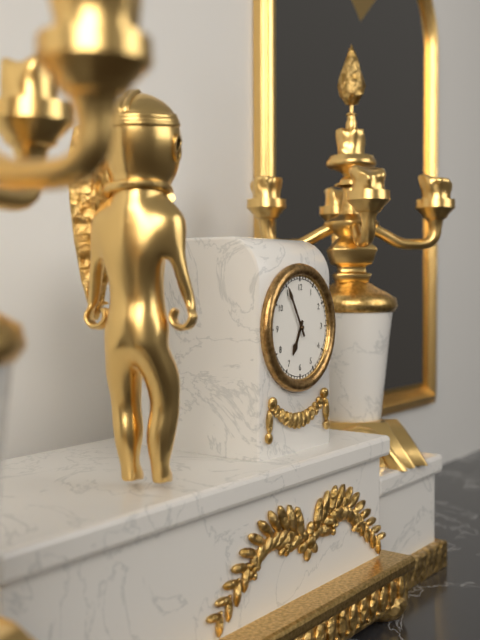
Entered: 6h55
